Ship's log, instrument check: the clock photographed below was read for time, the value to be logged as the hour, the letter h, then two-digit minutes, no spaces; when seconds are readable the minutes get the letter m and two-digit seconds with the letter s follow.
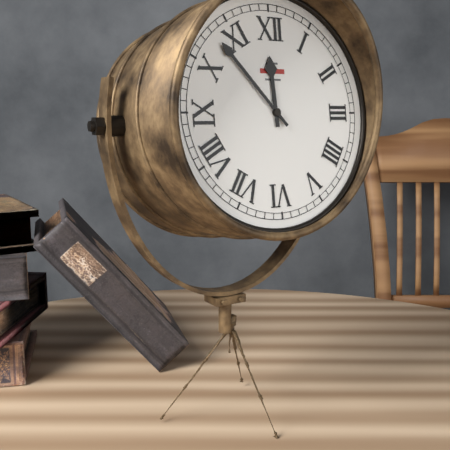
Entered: 11h53
